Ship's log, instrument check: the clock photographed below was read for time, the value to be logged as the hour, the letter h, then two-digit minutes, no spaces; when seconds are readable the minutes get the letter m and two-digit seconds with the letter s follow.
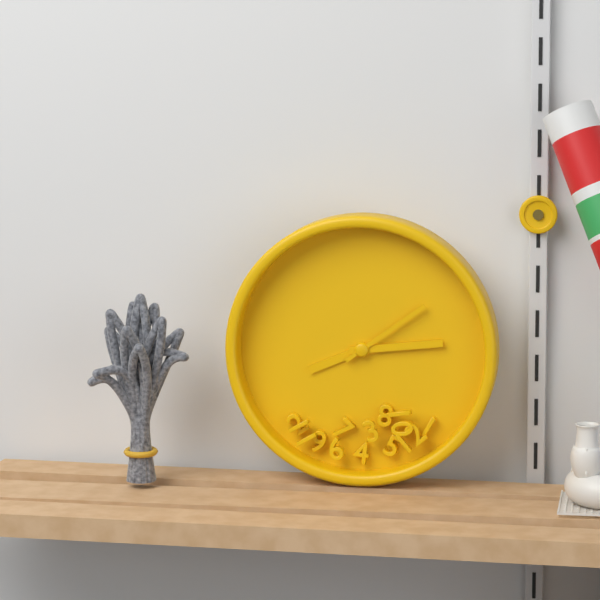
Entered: 8h14m09s
